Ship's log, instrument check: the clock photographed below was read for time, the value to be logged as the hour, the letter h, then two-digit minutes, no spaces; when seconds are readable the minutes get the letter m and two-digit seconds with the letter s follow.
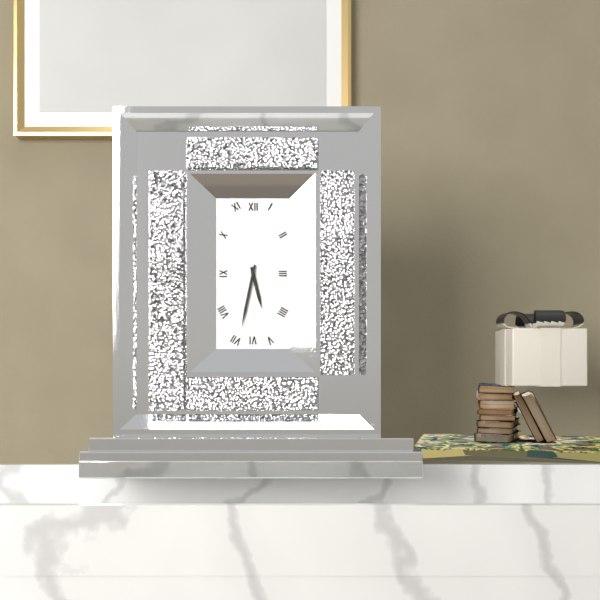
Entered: 5h32
